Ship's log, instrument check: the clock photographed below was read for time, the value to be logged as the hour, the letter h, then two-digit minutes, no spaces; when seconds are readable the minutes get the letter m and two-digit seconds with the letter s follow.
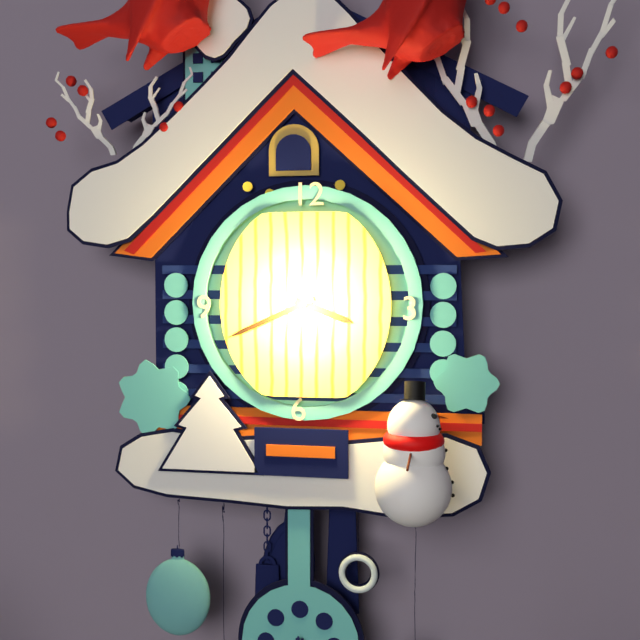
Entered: 3h41
